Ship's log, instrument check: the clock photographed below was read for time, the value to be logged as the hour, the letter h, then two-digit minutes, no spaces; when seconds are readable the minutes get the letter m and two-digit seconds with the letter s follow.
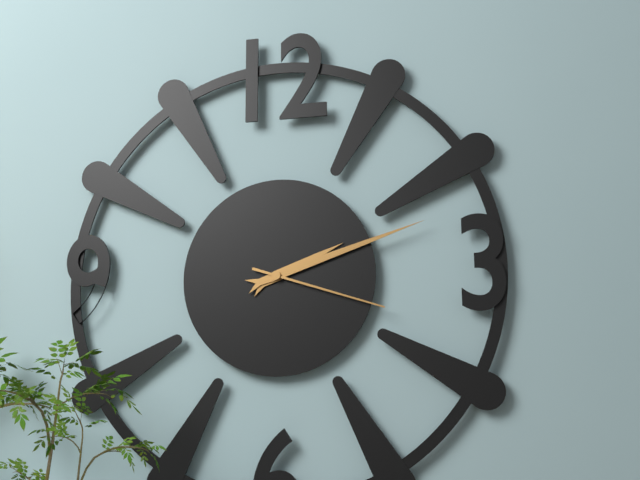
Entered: 2h12m18s
